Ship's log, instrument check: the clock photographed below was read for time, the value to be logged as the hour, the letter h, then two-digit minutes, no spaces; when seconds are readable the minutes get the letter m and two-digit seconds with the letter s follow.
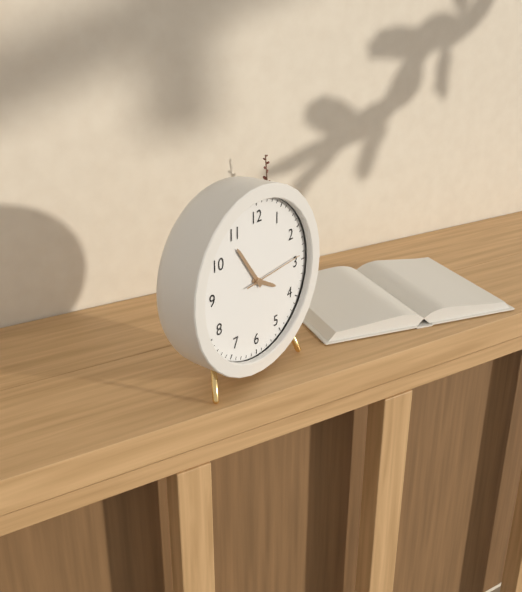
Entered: 3h54m14s
